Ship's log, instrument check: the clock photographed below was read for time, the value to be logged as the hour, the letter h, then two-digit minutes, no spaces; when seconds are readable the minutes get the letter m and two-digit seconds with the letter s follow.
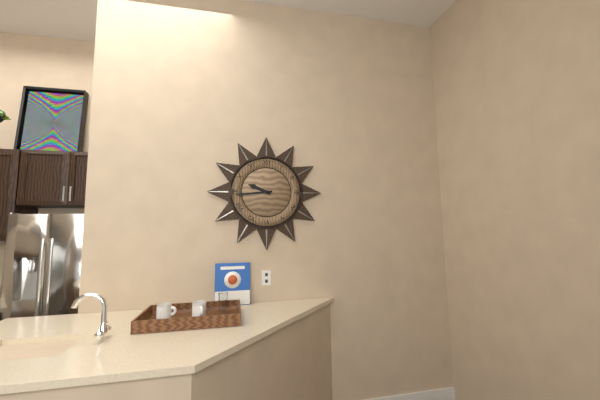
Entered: 9h44
